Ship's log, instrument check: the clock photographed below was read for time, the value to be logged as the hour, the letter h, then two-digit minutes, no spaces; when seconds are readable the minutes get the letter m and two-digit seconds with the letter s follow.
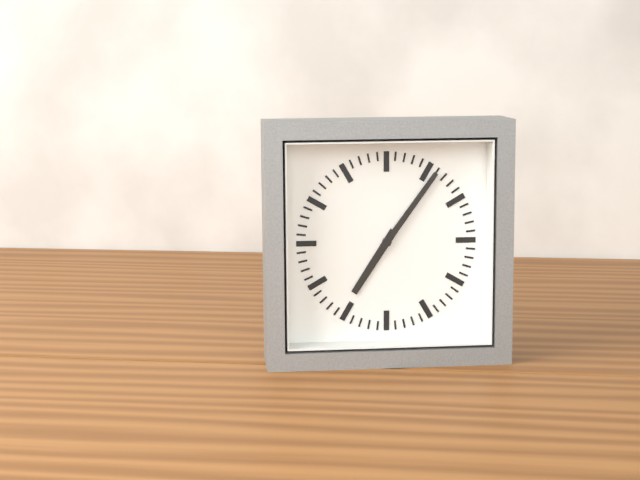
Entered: 7h06
